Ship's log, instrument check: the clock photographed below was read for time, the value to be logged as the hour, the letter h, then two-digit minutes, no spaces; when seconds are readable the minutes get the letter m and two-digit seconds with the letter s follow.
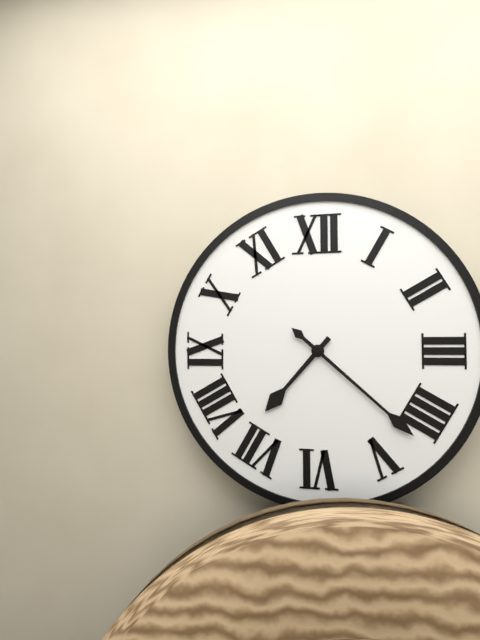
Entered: 7h22
